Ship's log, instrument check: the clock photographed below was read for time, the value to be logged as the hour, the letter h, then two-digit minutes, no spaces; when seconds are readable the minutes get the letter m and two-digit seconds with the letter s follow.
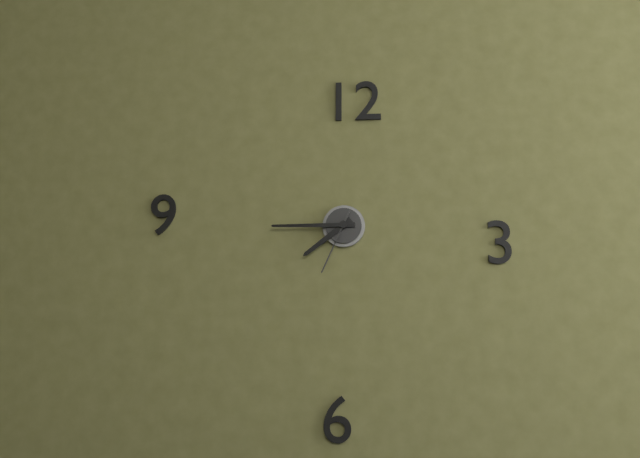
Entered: 7h45m34s
